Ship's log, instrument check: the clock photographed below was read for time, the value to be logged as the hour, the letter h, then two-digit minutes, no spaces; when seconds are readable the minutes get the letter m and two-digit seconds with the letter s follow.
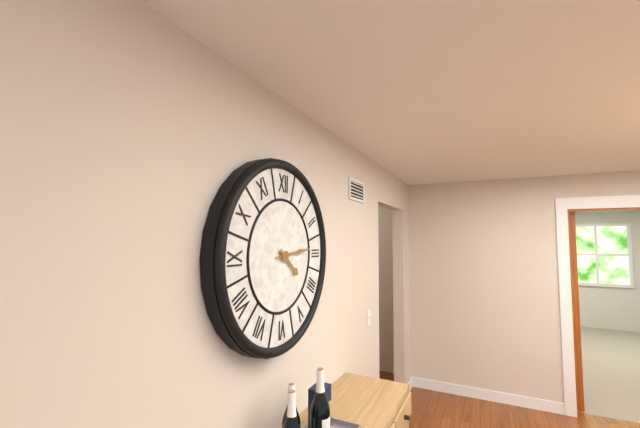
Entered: 4h14
